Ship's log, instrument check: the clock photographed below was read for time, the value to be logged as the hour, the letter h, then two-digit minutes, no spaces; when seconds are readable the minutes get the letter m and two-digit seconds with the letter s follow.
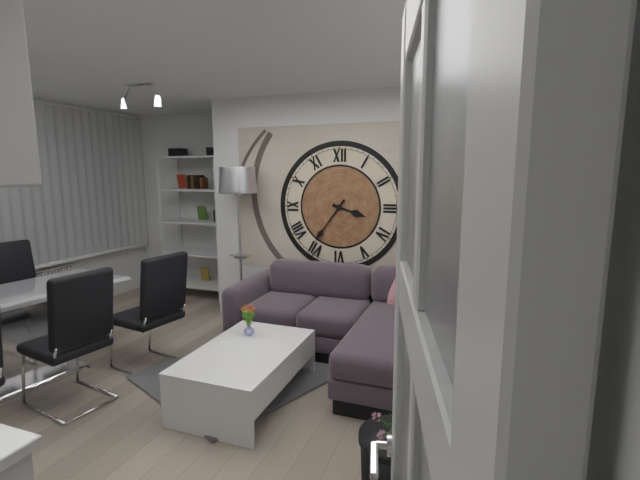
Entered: 3h36
